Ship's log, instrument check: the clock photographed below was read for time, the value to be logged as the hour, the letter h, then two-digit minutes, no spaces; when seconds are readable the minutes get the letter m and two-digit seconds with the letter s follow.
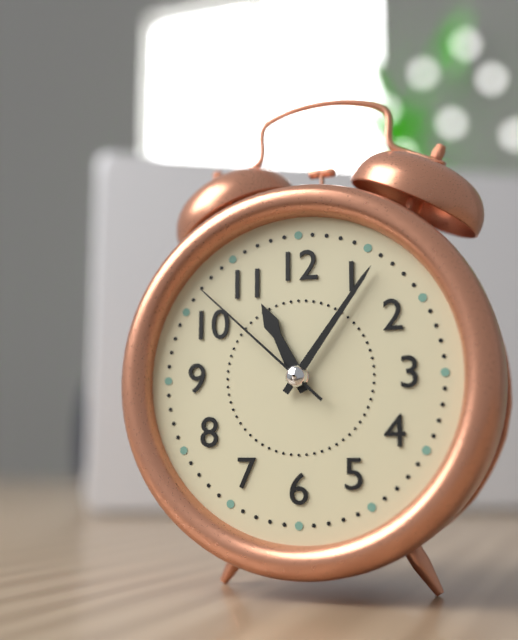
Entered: 11h06m52s
